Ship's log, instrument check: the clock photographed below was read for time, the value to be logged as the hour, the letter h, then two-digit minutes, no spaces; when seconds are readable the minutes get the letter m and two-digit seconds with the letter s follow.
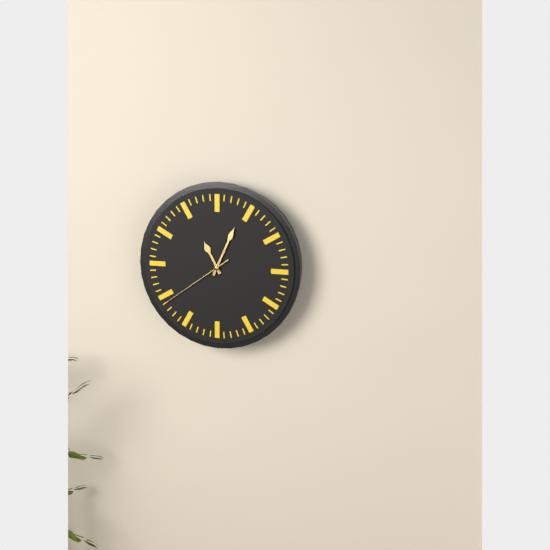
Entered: 11h04m39s
